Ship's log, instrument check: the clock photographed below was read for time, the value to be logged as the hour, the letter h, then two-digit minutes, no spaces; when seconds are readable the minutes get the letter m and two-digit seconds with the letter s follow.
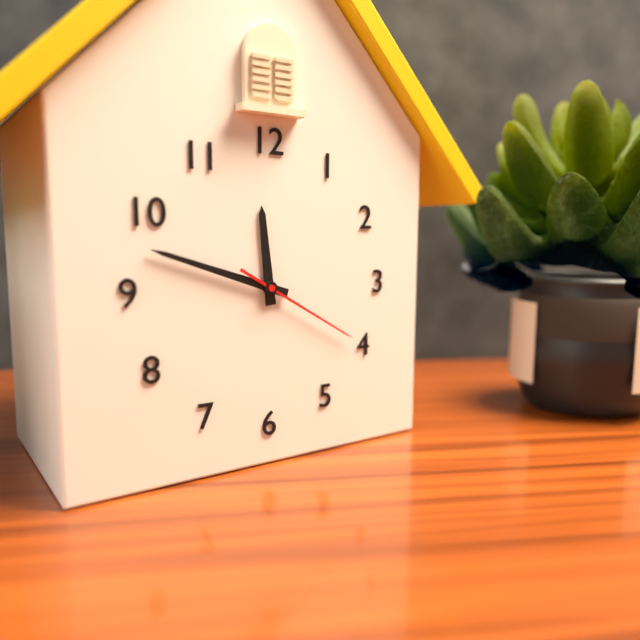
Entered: 11h48m20s
